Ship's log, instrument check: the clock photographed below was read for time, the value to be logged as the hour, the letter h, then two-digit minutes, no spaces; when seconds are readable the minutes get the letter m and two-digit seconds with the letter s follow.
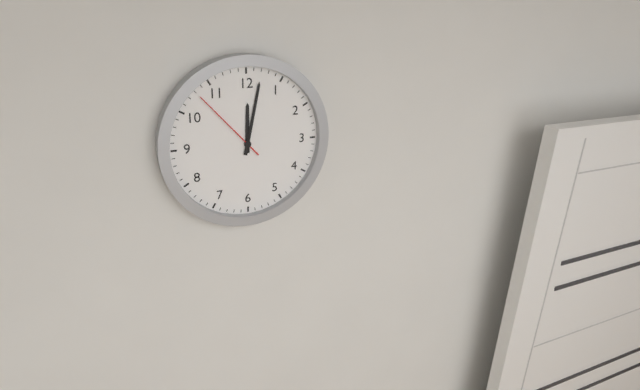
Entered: 12h02m53s
